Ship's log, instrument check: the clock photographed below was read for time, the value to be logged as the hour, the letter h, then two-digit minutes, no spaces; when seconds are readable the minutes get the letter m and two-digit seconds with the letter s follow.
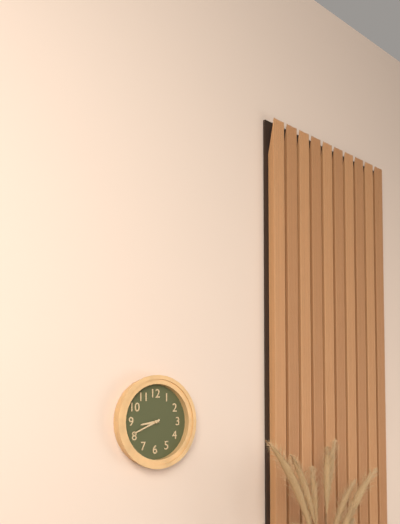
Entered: 8h41
